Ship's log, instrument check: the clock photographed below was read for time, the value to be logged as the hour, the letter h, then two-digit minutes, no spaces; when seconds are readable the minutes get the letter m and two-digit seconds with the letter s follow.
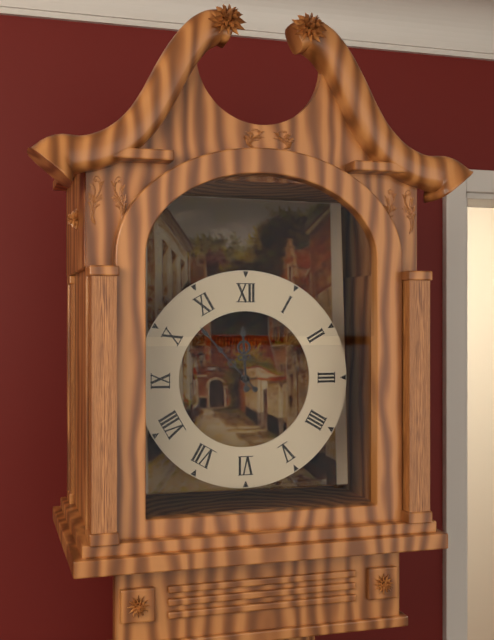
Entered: 11h53
